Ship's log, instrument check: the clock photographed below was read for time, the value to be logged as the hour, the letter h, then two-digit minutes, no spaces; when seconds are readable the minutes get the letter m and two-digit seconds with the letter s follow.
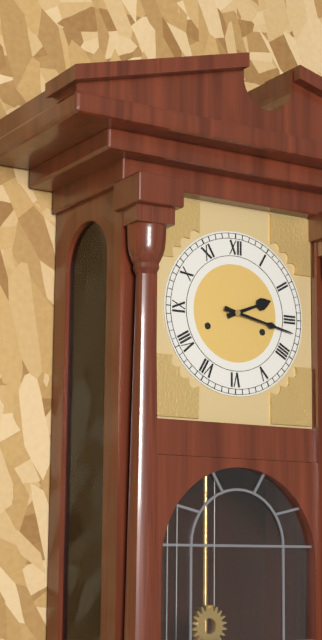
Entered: 2h17
